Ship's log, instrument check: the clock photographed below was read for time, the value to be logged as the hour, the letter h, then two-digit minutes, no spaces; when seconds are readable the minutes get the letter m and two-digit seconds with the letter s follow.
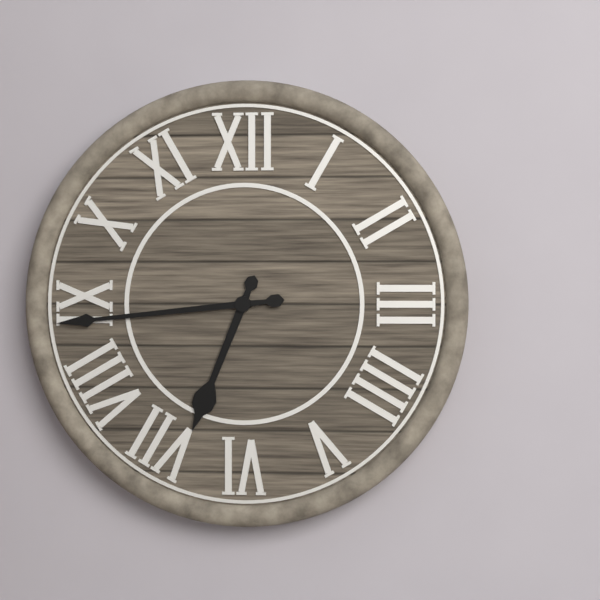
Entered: 6h44
